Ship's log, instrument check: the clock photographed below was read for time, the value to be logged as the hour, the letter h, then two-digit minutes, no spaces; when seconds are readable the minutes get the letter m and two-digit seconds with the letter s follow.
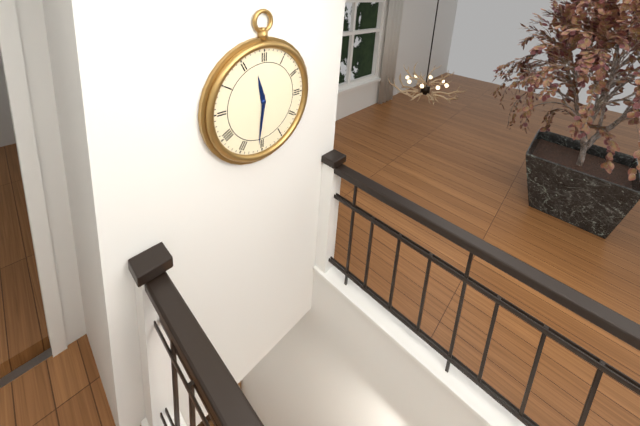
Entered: 11h31
